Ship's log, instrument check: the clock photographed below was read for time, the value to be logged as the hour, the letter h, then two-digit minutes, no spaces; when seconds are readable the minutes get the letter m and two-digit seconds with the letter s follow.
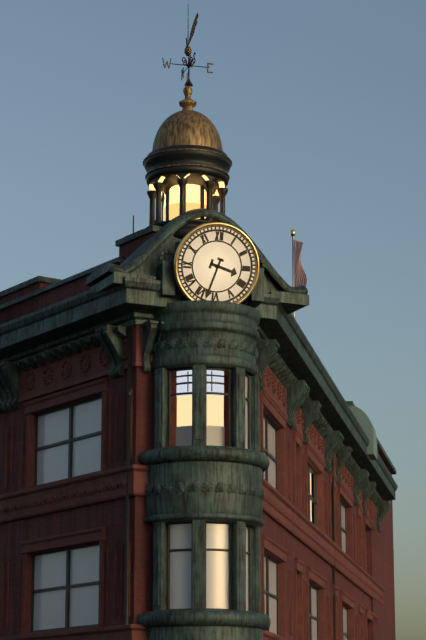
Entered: 3h33
